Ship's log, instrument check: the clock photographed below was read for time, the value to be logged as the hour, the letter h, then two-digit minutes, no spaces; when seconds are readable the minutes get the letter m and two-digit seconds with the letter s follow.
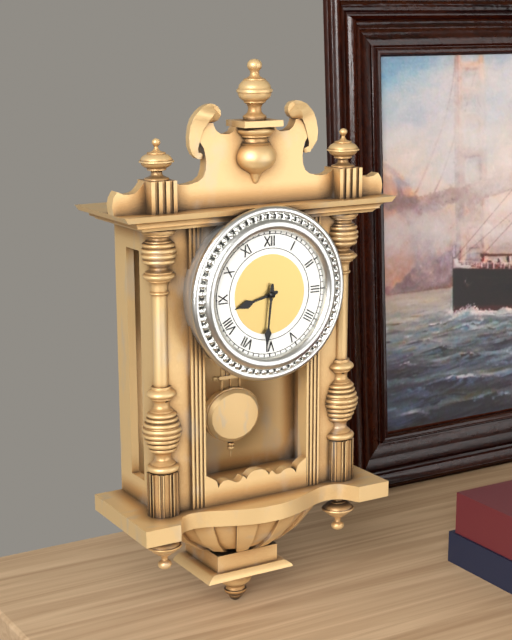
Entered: 8h31
